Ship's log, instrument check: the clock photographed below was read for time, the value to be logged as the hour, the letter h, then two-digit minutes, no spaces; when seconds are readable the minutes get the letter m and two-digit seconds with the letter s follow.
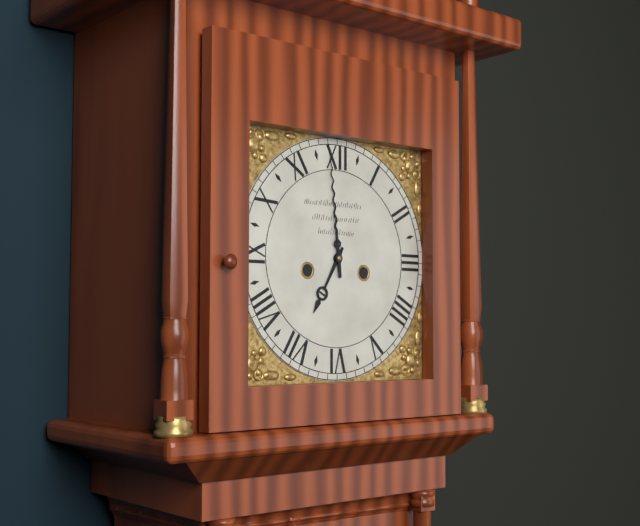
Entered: 6h59
